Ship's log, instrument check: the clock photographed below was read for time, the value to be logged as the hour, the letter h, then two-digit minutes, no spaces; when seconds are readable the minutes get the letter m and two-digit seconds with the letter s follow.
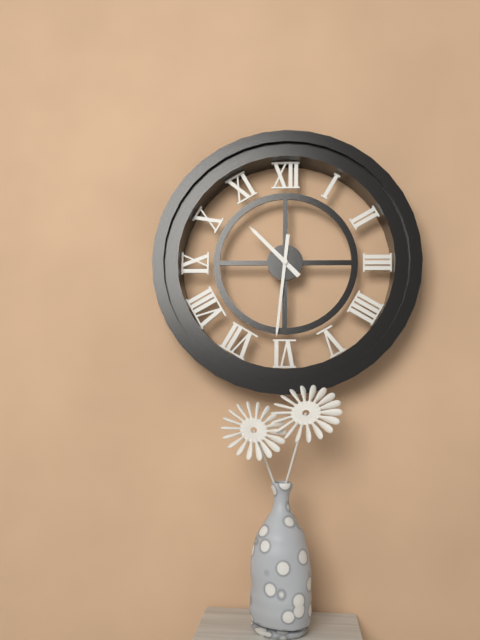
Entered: 10h31
